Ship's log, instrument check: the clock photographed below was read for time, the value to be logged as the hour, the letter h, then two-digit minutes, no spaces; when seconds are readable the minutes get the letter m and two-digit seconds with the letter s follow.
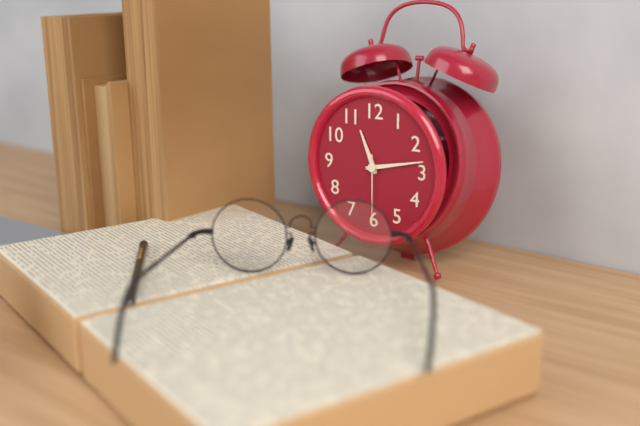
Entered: 11h13m30s
